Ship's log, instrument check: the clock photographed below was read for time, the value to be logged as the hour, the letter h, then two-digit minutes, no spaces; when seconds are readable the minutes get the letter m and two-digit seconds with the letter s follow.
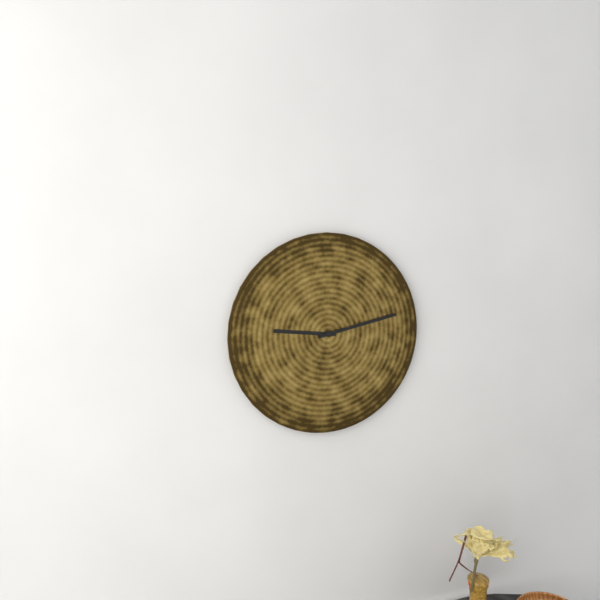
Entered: 9h13
